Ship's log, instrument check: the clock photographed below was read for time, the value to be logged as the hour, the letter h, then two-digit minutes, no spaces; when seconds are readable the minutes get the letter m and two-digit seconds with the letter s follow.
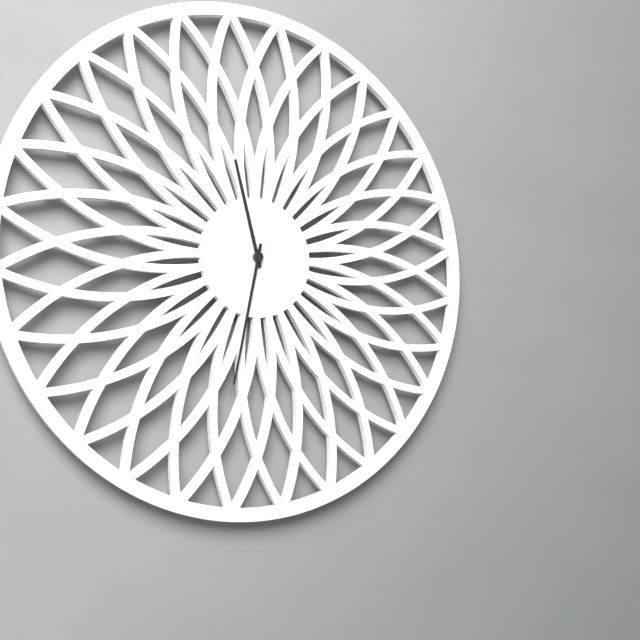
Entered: 11h32
